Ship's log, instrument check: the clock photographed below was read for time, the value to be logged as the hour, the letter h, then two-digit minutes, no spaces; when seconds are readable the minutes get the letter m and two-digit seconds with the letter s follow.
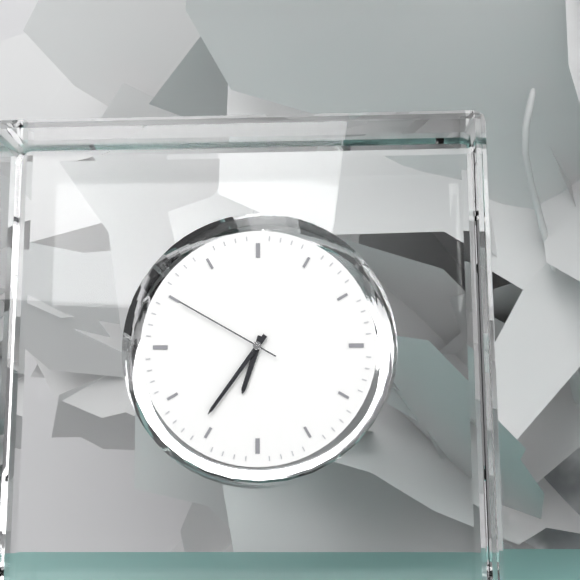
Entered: 6h36m50s
